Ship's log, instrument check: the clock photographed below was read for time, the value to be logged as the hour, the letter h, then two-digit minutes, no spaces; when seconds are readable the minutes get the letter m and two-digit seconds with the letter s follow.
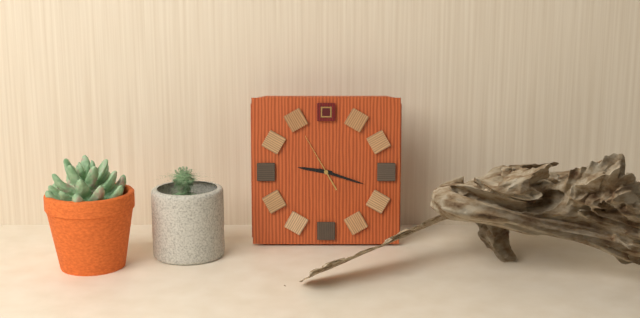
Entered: 9h18m55s
